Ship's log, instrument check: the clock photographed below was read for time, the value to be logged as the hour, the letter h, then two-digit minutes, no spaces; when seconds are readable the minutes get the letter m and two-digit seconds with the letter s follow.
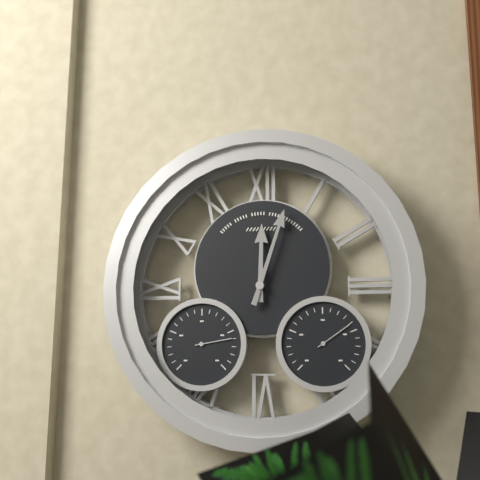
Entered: 12h03
